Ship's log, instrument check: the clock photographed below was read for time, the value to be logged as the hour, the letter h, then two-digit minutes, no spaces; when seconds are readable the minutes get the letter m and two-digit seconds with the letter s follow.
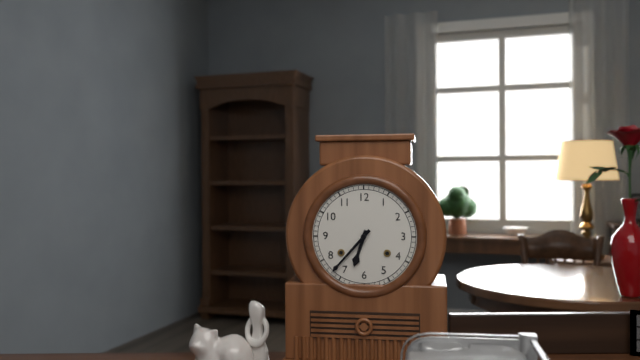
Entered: 6h37
